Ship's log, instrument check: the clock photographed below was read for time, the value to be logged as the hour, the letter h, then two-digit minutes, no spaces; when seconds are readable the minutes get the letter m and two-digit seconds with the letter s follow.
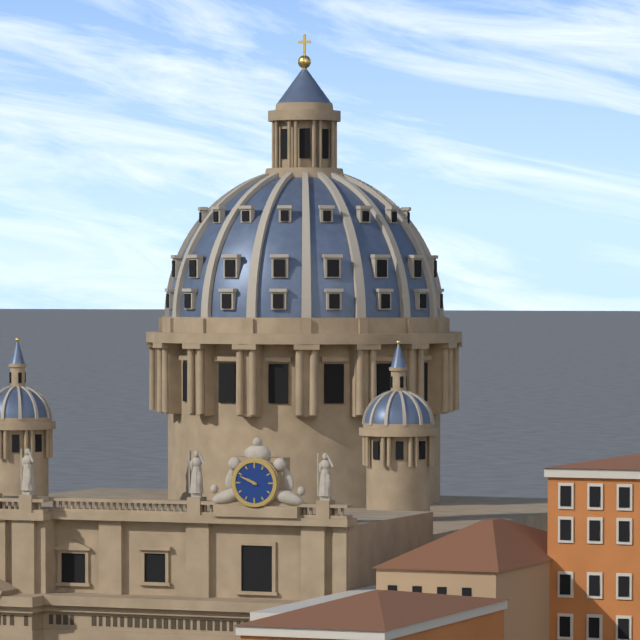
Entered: 9h49
